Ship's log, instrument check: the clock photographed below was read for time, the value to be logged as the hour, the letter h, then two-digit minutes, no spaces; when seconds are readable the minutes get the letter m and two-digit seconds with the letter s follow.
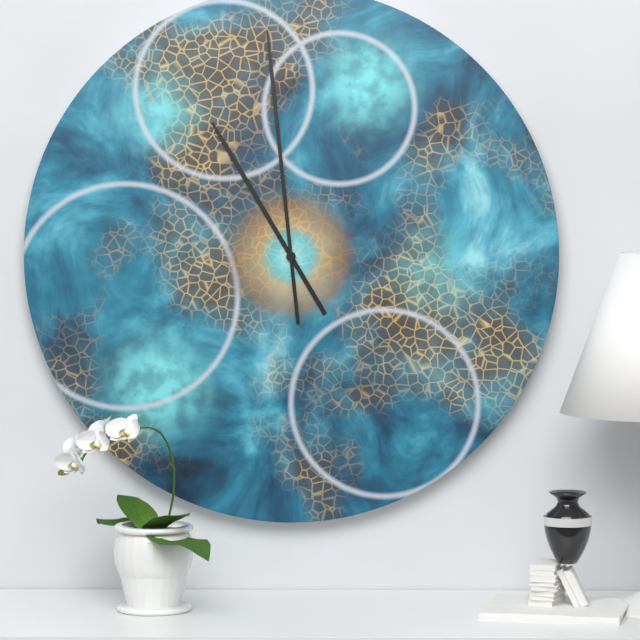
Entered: 10h59
